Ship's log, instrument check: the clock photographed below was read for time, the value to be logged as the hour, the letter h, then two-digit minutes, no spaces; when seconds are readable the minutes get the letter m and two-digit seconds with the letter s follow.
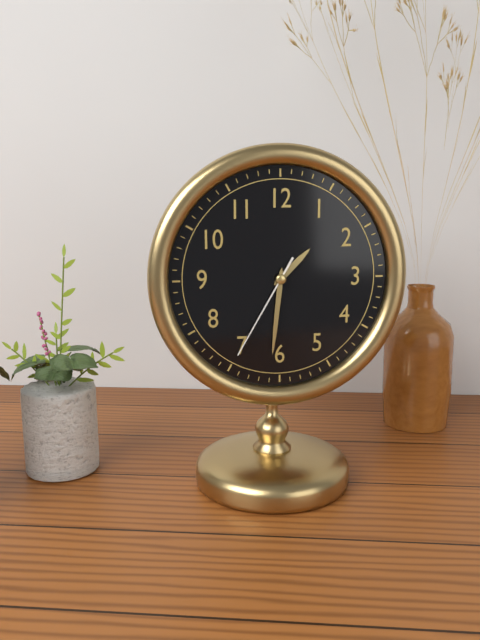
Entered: 1h31m35s
